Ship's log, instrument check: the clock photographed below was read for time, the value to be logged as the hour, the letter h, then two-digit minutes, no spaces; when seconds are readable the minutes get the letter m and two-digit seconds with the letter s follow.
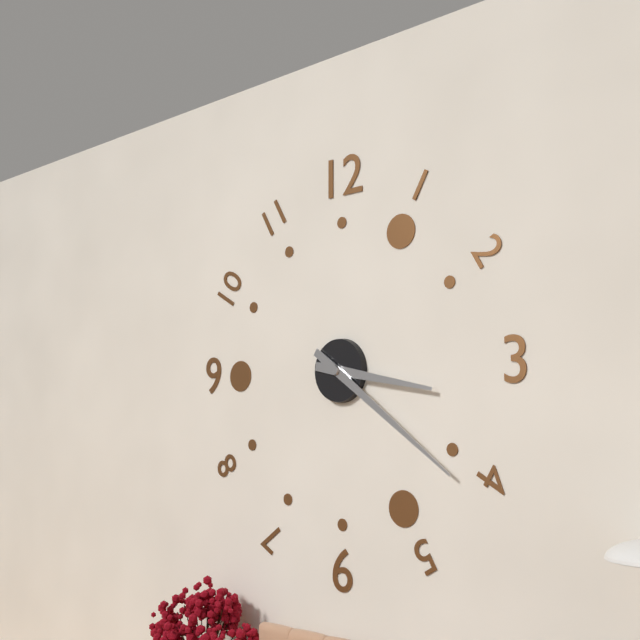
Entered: 3h21
